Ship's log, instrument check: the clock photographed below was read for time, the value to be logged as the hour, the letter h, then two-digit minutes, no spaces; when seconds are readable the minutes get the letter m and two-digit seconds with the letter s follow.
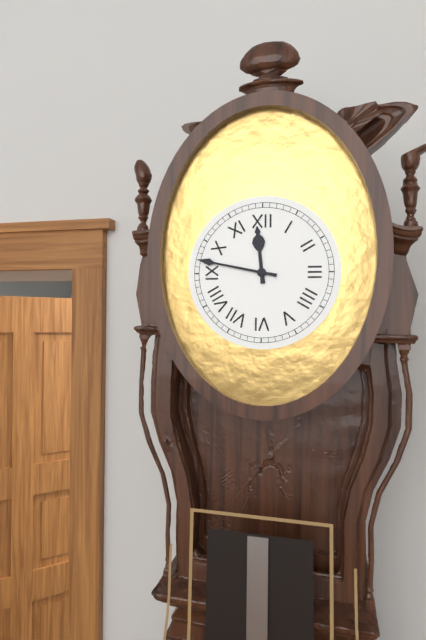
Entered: 11h47
